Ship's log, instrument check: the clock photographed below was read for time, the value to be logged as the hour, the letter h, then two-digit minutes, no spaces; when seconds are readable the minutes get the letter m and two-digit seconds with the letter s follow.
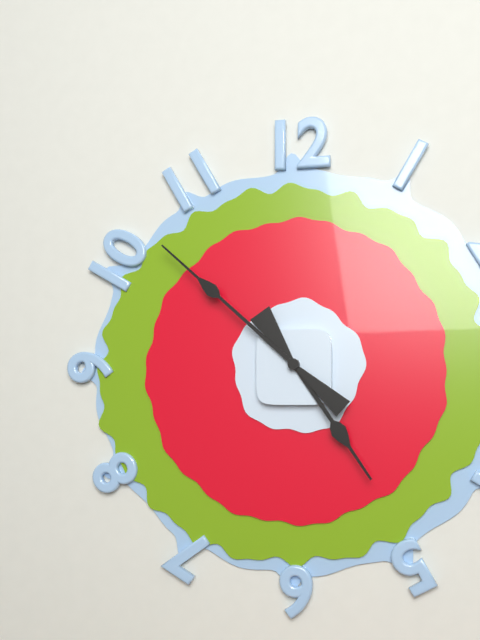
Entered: 4h52
